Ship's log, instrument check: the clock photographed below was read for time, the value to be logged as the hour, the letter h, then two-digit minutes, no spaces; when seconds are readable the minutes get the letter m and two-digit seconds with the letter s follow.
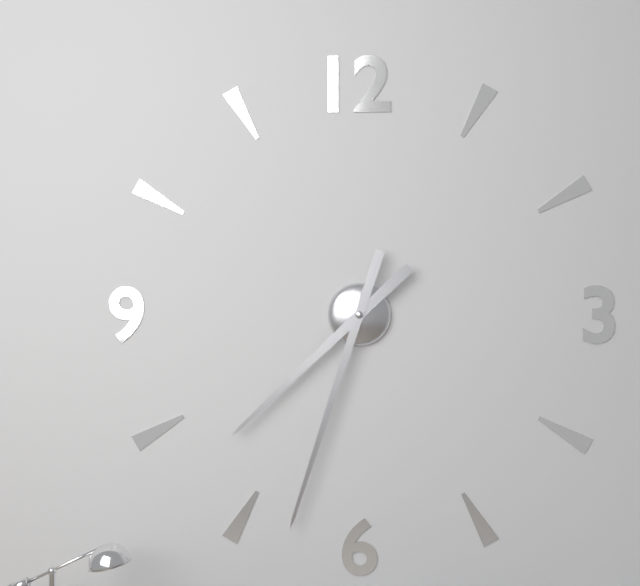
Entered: 7h33
